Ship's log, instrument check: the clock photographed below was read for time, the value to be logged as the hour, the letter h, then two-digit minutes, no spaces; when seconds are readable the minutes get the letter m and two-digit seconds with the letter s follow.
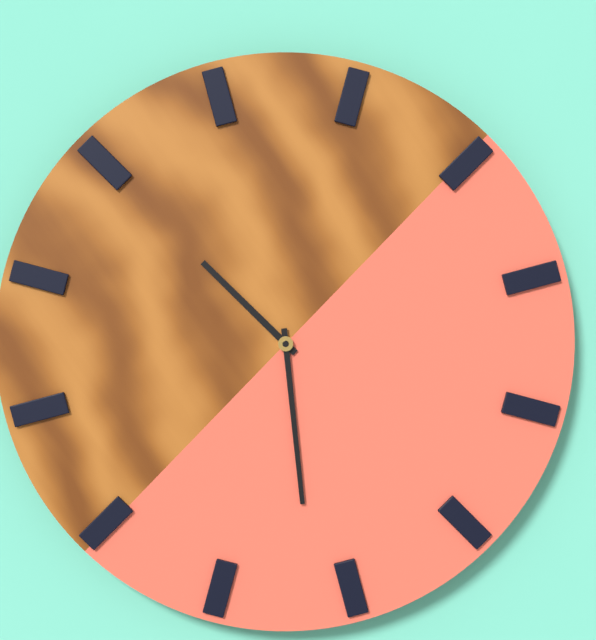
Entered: 10h29
